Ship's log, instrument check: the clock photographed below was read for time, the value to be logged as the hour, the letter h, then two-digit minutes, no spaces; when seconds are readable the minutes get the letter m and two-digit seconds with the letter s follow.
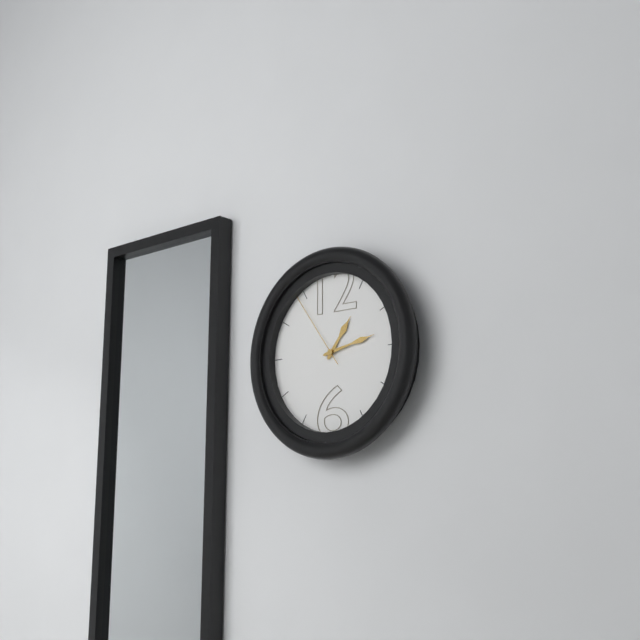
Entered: 1h13m54s
